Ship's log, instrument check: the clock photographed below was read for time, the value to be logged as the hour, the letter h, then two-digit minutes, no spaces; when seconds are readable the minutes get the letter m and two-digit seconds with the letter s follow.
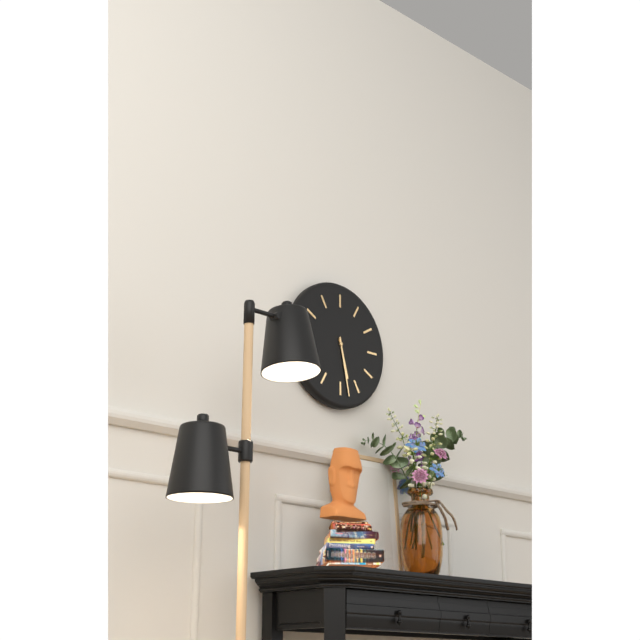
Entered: 5h28
